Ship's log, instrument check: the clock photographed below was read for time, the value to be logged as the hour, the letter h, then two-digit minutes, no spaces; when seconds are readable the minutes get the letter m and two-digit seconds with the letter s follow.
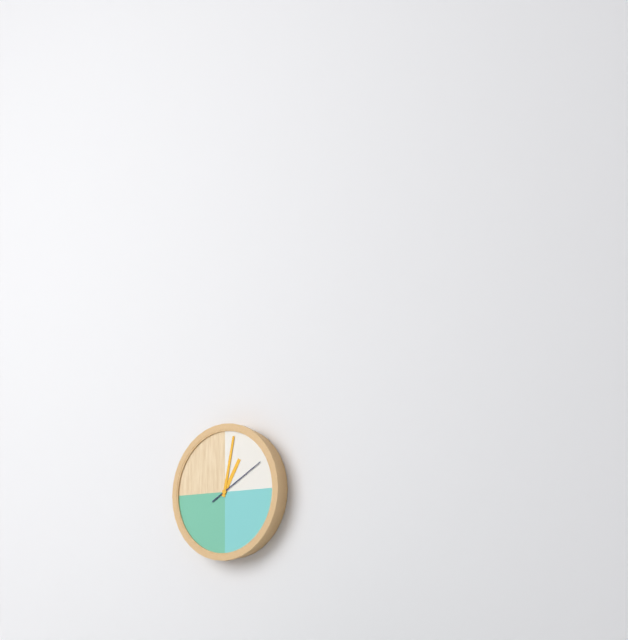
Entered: 1h02m10s
